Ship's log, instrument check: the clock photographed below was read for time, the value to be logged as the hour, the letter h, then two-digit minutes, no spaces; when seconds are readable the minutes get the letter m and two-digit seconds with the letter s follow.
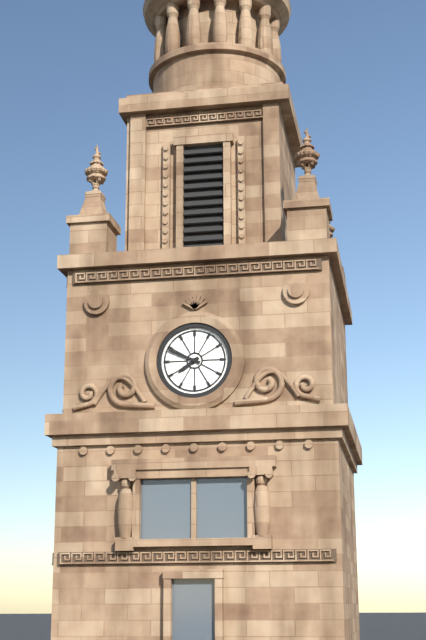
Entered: 7h49
